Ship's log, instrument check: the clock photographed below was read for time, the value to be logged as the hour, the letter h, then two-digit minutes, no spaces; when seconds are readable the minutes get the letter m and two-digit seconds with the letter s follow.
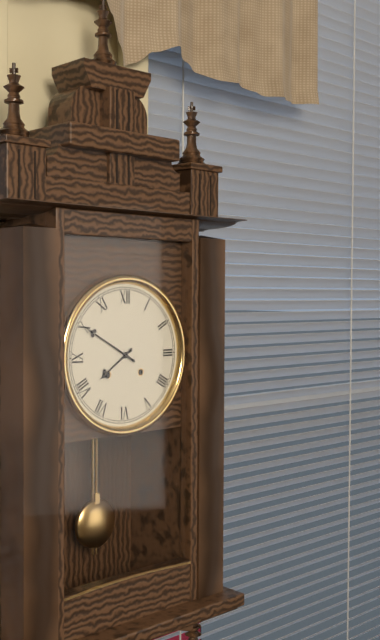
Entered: 7h50
